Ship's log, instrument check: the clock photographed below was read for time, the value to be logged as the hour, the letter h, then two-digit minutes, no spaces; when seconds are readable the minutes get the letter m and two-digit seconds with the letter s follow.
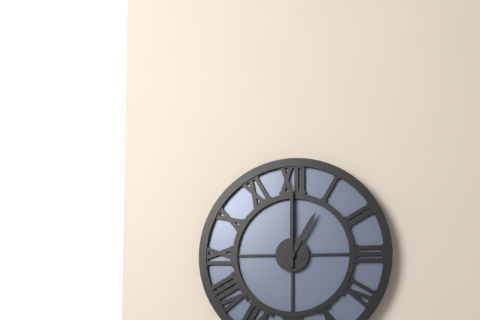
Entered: 1h00
